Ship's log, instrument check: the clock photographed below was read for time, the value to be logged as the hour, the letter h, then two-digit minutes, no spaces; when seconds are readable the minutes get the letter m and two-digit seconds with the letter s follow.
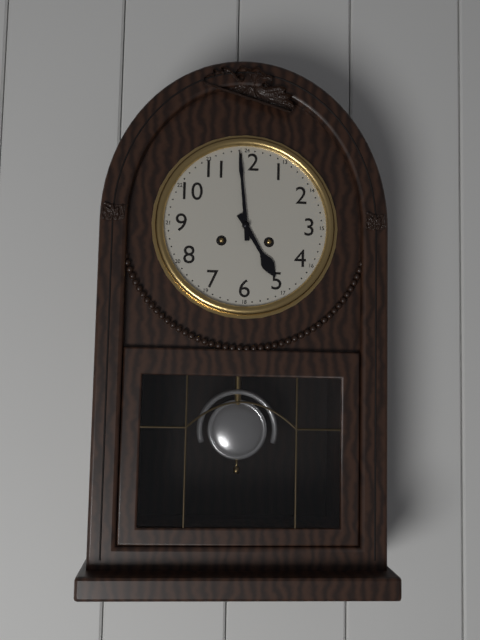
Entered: 4h59
